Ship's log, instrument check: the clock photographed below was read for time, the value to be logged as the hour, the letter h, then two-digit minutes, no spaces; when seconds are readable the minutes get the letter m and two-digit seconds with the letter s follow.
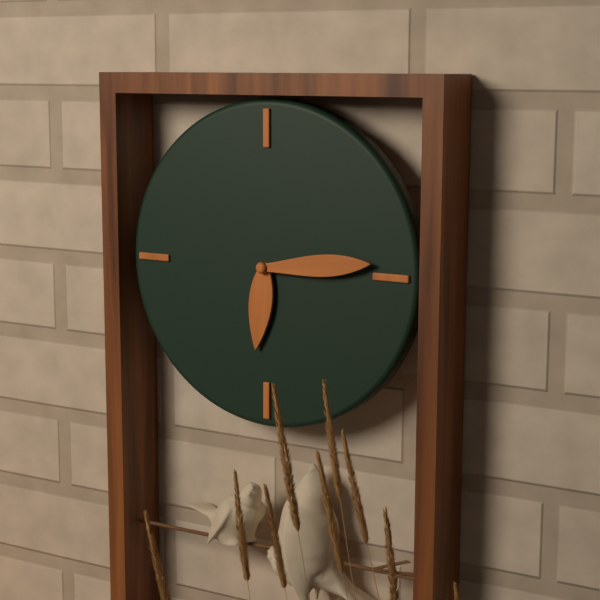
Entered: 6h14
